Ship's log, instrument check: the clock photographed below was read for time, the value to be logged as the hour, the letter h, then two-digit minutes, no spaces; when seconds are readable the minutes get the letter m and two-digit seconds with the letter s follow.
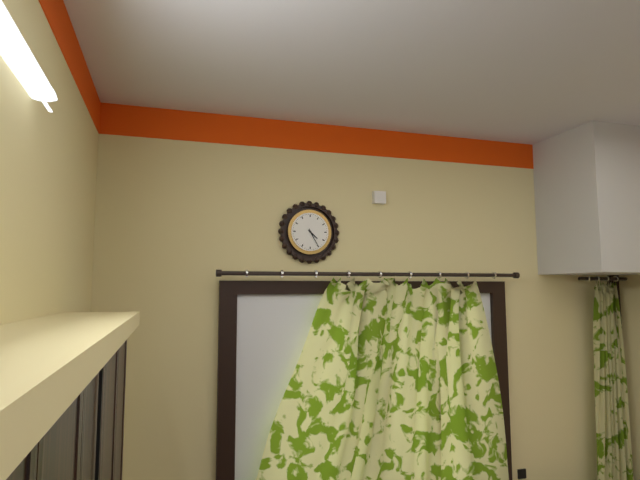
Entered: 4h25
